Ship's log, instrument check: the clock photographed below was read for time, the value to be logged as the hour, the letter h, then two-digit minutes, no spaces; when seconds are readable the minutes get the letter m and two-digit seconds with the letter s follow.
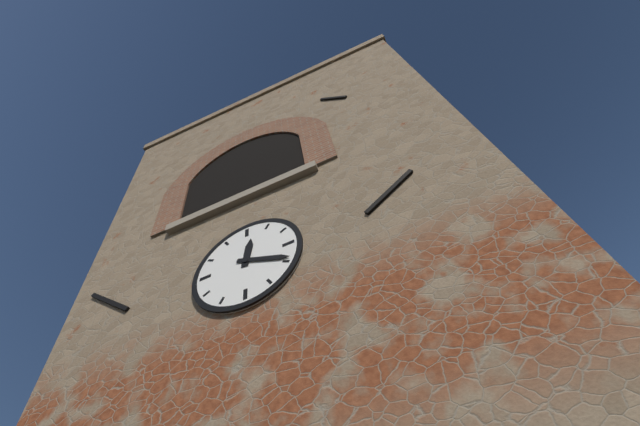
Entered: 12h19
